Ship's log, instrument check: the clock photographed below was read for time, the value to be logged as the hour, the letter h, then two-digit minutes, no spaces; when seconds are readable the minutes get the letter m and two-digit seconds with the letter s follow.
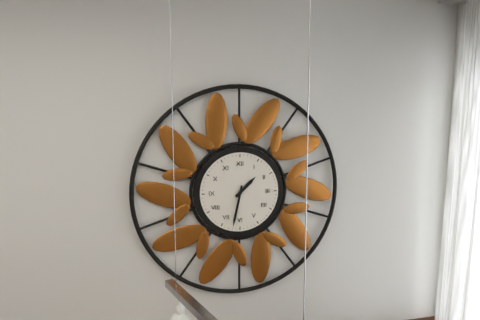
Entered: 1h32
